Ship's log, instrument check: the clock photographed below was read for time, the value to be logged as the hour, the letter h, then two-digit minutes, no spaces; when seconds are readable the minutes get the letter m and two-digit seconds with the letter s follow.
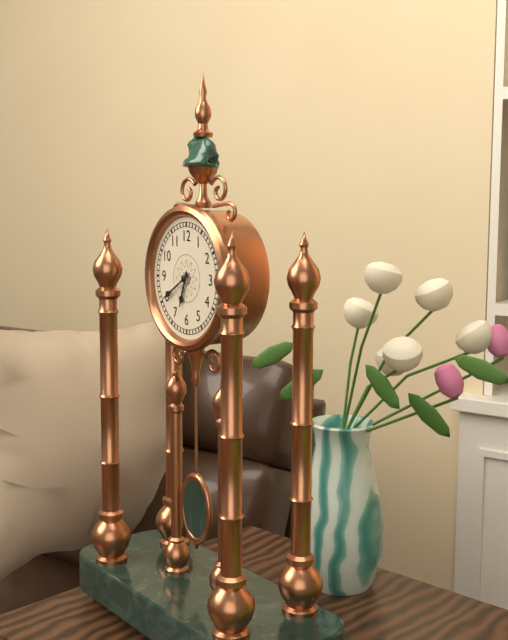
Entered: 6h40
